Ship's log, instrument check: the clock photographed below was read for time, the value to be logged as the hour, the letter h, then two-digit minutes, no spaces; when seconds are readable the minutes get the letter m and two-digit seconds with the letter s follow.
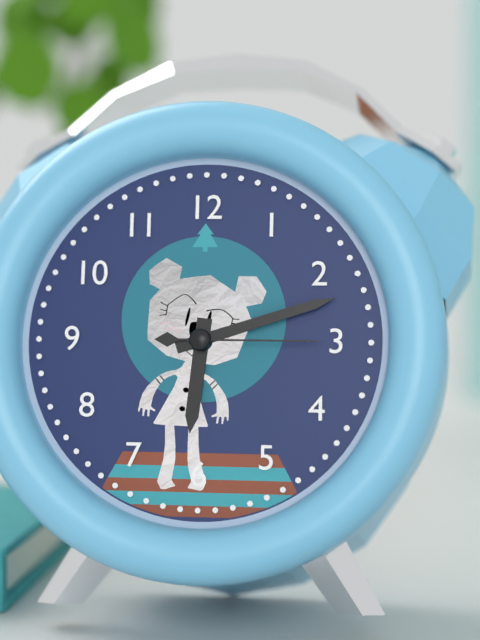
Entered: 6h12m15s
